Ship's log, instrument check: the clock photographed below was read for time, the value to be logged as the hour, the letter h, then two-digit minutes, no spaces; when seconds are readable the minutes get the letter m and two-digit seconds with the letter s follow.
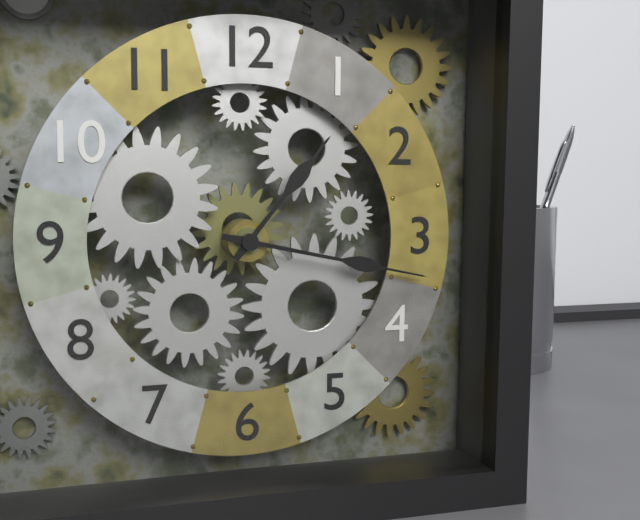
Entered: 1h17
